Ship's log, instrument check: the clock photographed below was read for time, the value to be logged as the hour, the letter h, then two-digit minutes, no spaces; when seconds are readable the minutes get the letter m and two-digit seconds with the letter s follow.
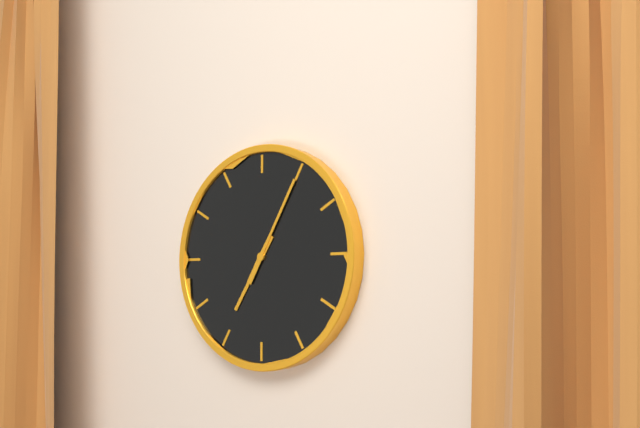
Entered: 7h05
